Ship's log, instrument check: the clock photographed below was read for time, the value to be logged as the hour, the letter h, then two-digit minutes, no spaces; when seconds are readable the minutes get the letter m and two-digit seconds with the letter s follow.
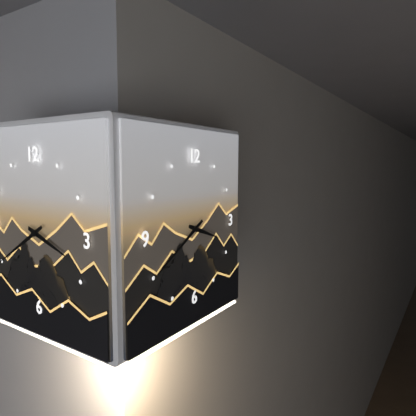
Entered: 3h40
